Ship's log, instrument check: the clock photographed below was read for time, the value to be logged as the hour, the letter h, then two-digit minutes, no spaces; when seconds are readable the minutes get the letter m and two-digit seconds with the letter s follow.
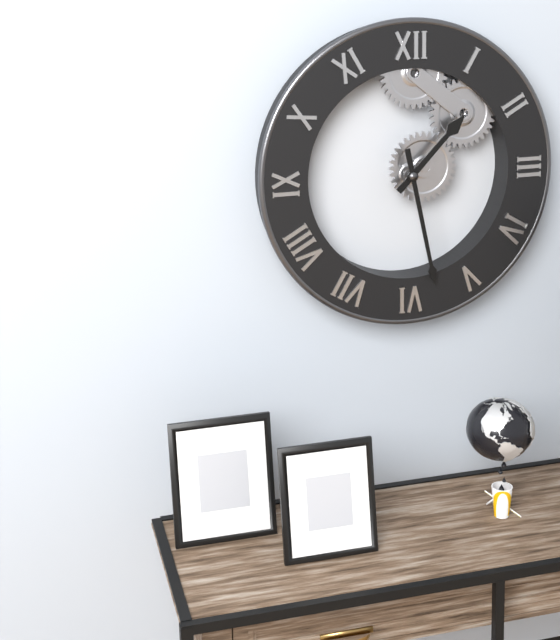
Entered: 1h28
